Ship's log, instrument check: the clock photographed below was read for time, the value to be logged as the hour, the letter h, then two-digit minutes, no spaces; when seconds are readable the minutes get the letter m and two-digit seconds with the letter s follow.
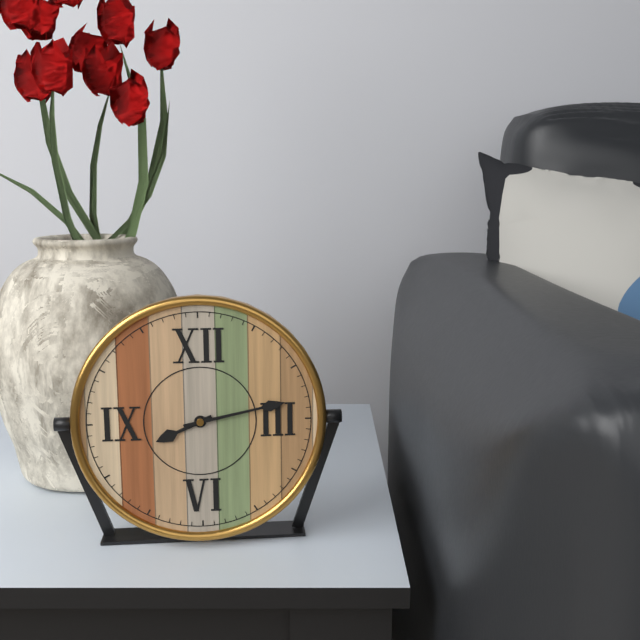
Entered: 8h13
